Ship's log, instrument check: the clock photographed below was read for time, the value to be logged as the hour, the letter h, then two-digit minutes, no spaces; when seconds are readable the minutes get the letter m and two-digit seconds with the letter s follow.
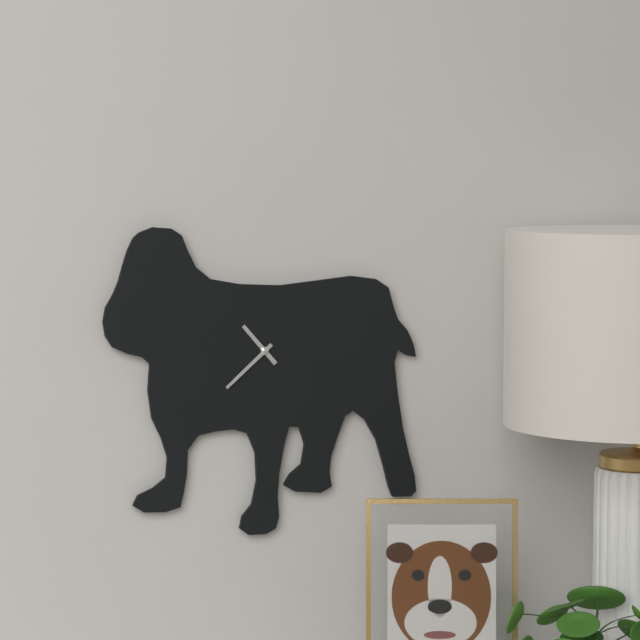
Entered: 10h38
